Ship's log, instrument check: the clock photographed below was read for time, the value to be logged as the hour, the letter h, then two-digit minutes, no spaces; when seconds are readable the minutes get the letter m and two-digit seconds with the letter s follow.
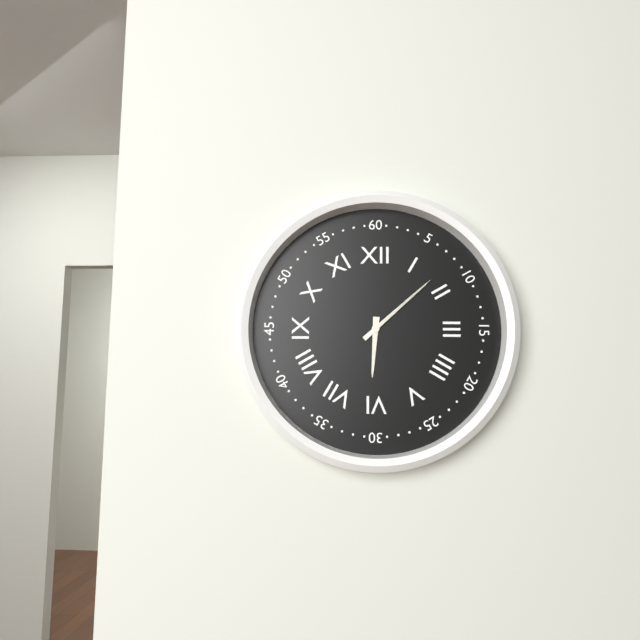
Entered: 6h08
